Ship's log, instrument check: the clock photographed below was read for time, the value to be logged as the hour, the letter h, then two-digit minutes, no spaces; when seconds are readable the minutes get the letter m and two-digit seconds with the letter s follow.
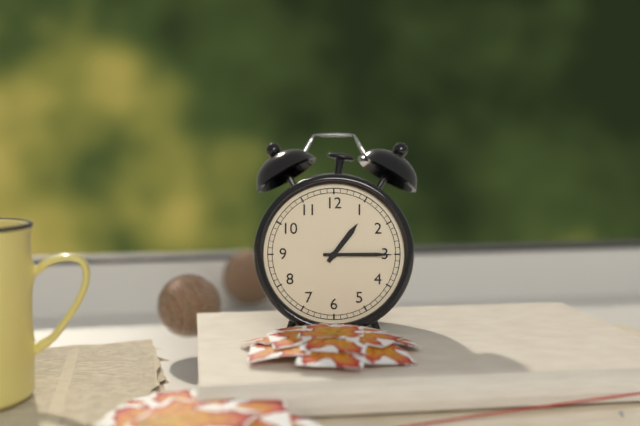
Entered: 1h15
